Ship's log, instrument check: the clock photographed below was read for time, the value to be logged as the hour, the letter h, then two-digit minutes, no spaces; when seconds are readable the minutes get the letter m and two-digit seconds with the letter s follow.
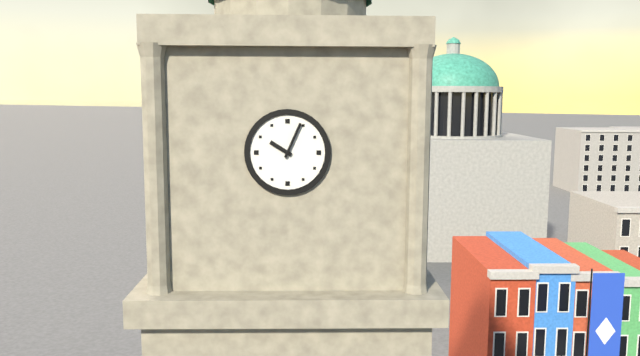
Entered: 10h04
